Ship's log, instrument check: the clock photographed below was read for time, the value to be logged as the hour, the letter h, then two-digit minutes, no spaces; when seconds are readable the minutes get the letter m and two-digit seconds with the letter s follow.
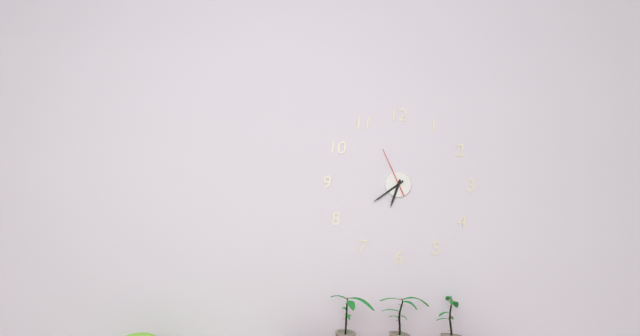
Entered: 6h39
